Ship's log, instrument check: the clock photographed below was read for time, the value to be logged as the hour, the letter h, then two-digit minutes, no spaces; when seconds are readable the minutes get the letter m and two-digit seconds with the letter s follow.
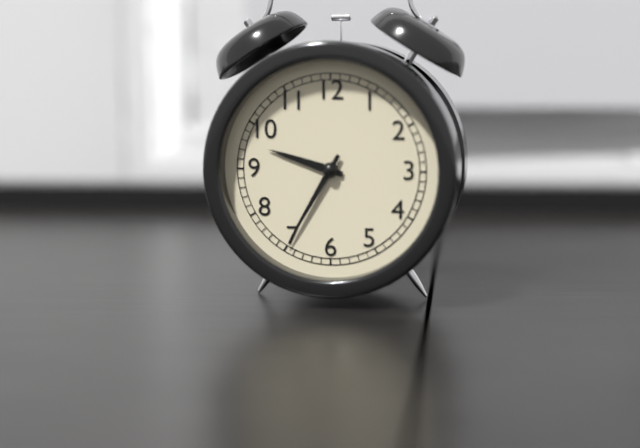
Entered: 9h35
